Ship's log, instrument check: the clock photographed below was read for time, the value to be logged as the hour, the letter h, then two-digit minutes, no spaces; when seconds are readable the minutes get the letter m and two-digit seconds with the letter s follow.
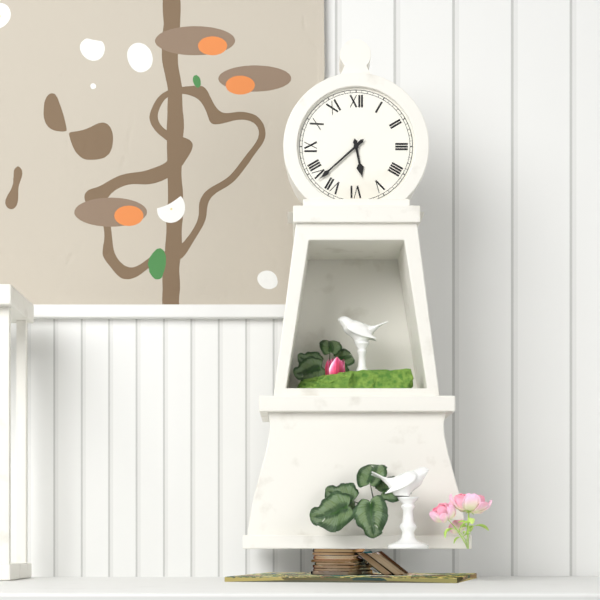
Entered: 5h38
